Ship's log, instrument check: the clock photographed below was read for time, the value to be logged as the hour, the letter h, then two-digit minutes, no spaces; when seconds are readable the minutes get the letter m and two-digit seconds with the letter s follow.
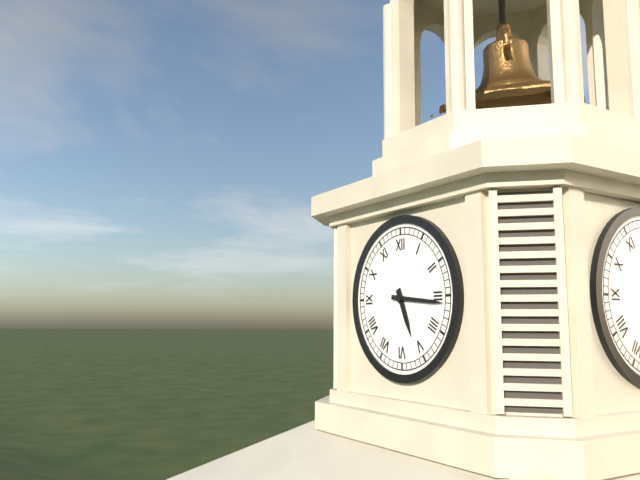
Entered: 5h16
